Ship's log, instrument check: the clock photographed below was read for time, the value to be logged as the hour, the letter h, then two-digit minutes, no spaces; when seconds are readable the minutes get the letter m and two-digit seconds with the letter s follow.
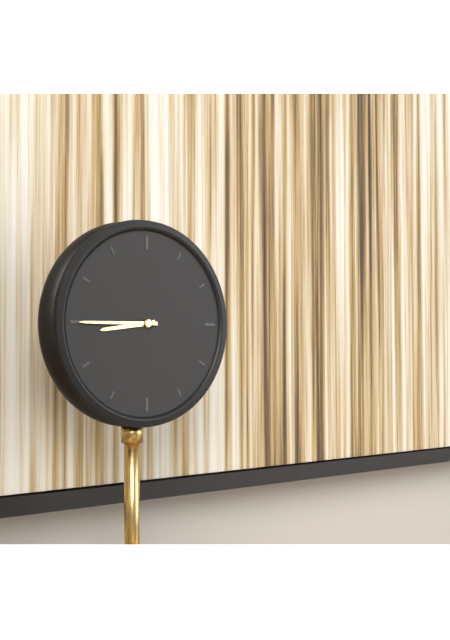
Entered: 8h45
